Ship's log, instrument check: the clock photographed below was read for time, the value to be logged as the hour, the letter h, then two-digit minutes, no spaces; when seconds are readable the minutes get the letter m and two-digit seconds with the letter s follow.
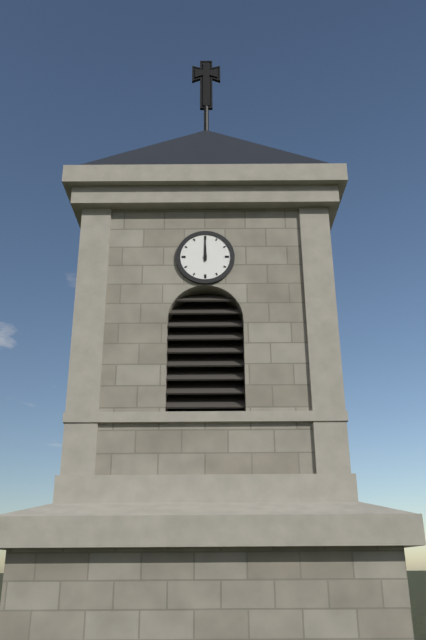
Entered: 12h00
